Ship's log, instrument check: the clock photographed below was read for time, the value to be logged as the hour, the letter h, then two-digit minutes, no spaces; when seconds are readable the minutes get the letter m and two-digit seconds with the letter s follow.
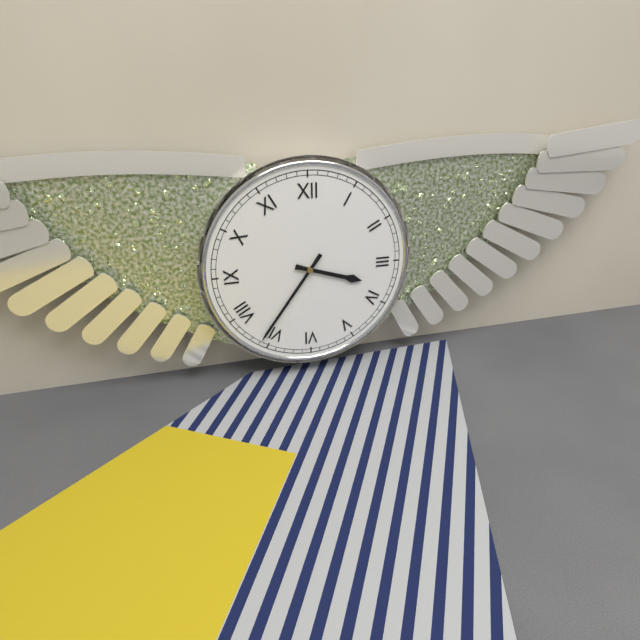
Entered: 3h36
